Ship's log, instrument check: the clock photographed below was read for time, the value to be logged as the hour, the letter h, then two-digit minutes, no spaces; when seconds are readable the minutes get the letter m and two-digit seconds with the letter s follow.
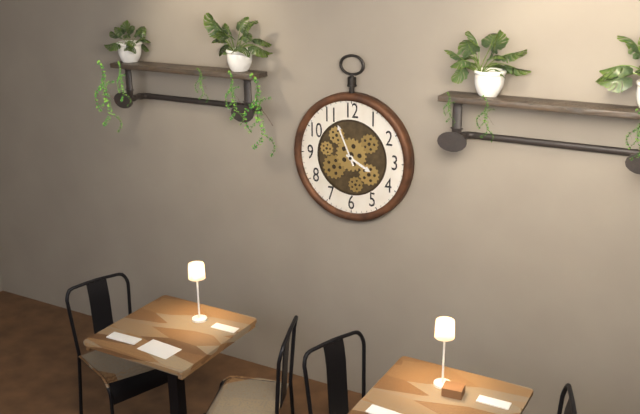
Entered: 3h56
